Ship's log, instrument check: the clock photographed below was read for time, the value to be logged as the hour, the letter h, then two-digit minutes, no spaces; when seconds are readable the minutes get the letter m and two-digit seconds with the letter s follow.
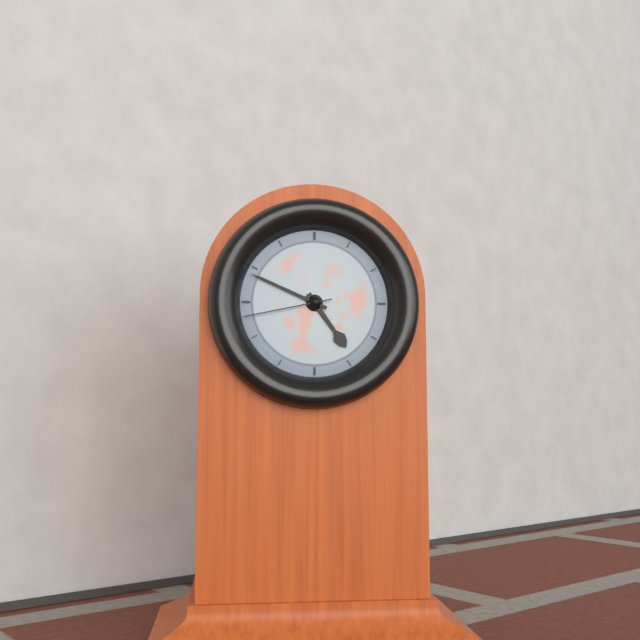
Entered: 4h49m43s
